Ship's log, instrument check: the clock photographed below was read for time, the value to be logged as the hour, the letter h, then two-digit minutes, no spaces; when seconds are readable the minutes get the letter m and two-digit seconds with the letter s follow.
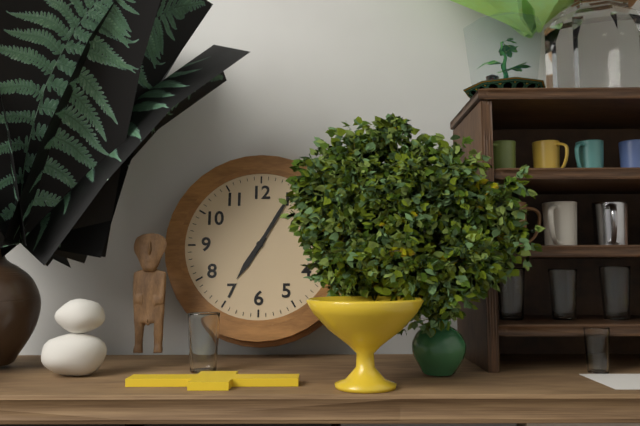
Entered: 7h05
